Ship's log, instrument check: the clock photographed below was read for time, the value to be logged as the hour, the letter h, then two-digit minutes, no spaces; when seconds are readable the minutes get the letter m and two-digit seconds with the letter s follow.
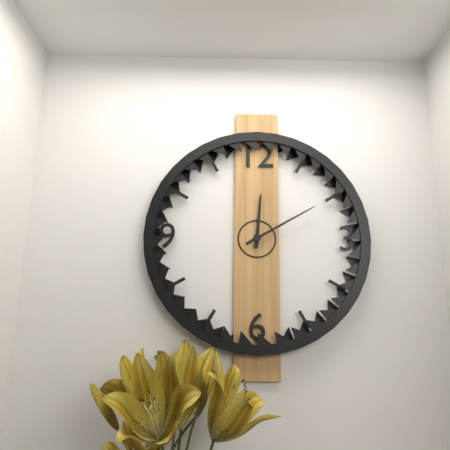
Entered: 12h10
